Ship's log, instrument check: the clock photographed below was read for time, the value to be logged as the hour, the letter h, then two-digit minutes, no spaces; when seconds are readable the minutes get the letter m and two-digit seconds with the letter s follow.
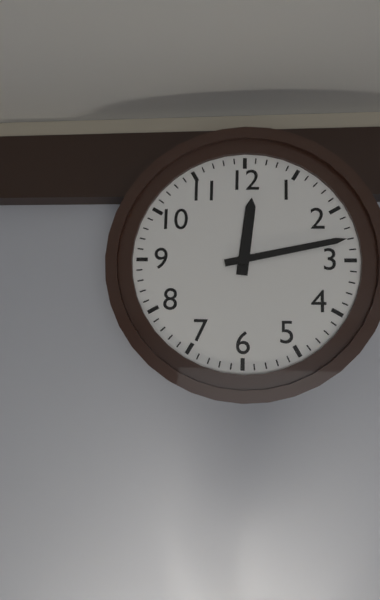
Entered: 12h13
